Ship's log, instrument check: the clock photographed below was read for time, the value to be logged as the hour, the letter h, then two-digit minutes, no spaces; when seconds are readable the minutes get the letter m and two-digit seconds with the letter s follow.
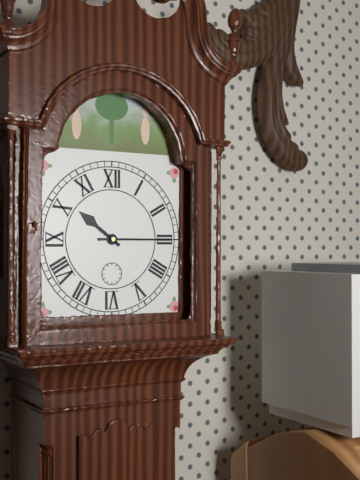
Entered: 10h15
